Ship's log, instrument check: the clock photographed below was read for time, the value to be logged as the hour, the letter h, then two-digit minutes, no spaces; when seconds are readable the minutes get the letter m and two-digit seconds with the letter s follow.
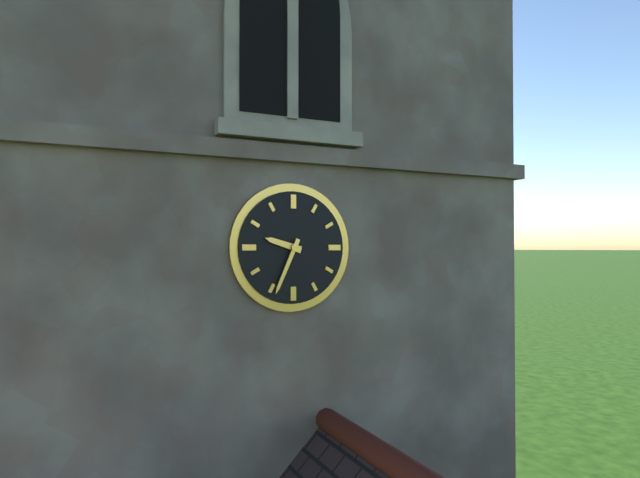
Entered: 9h34
